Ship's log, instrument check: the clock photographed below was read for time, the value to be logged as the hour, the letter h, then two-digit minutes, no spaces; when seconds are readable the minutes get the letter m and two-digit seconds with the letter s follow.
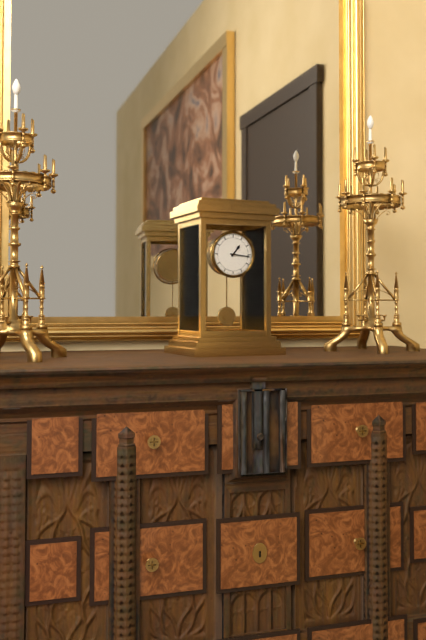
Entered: 1h16
